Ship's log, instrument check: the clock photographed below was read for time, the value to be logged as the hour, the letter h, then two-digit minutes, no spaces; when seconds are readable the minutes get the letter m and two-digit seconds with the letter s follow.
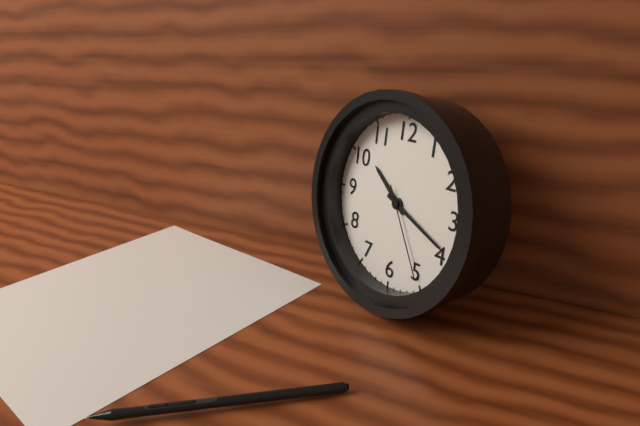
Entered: 10h19m25s
